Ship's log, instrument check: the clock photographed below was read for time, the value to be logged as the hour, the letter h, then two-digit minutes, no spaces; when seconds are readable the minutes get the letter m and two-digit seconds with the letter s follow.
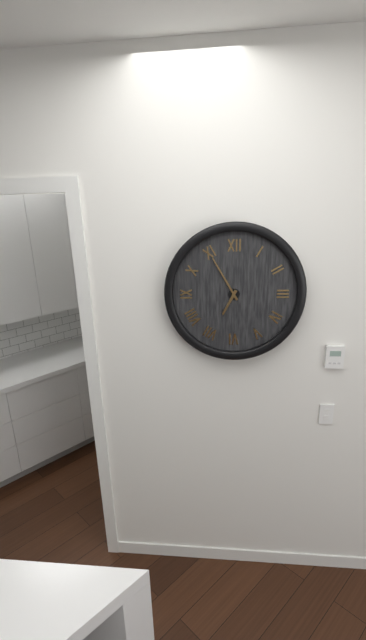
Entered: 6h55
